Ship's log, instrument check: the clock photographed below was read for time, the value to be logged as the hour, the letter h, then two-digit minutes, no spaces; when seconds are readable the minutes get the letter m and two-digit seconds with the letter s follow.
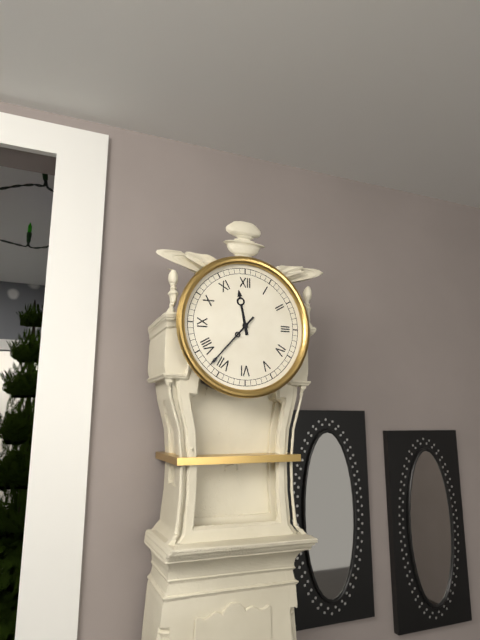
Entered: 11h37
